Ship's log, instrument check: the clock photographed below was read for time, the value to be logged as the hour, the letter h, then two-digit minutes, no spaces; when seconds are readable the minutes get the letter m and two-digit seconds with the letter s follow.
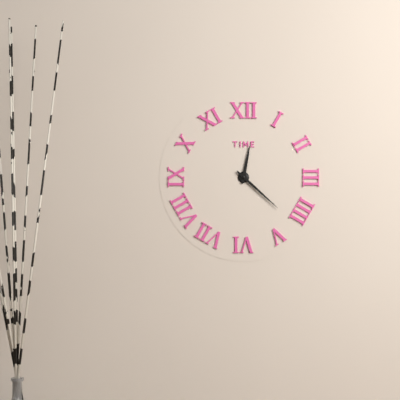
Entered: 12h22
